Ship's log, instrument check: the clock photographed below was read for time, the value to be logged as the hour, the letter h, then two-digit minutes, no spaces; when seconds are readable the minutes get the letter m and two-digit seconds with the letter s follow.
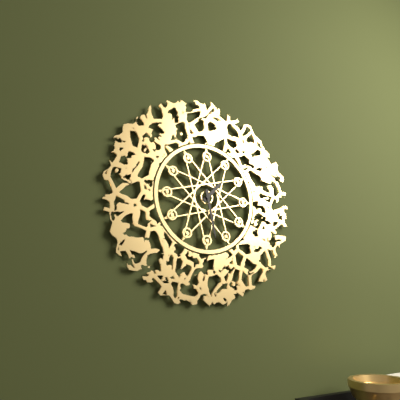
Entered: 1h28
